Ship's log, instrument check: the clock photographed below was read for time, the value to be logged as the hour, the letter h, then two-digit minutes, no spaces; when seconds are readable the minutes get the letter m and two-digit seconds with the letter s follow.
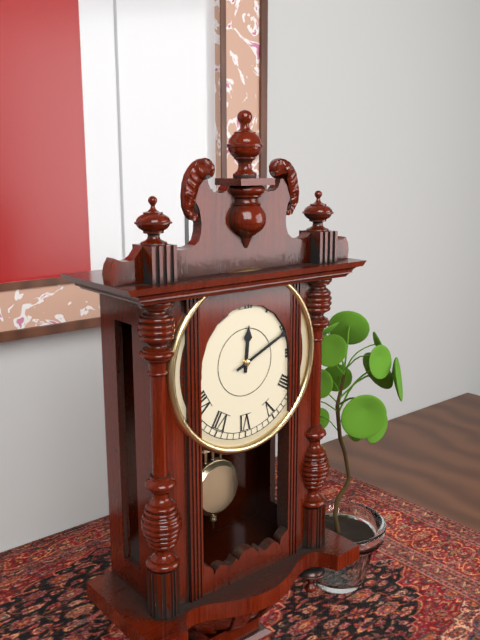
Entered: 12h11
